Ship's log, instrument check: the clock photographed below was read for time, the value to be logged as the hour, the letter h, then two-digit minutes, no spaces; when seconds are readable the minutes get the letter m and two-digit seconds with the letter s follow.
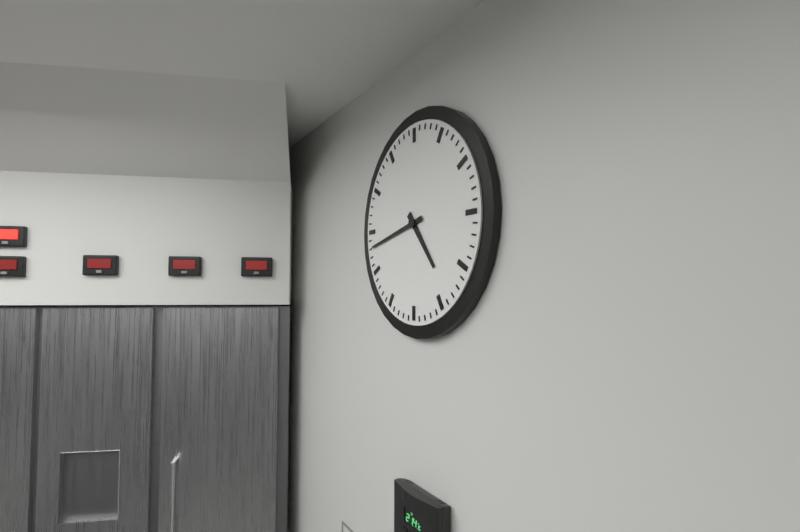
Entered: 4h43
